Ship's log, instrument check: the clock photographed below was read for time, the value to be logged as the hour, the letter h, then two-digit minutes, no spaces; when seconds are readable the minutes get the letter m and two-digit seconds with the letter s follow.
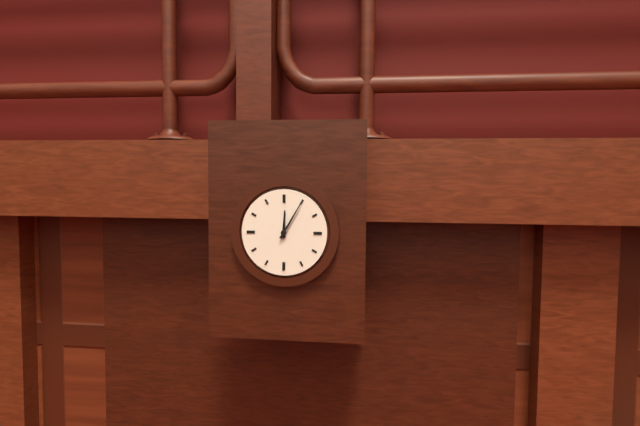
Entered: 12h05
